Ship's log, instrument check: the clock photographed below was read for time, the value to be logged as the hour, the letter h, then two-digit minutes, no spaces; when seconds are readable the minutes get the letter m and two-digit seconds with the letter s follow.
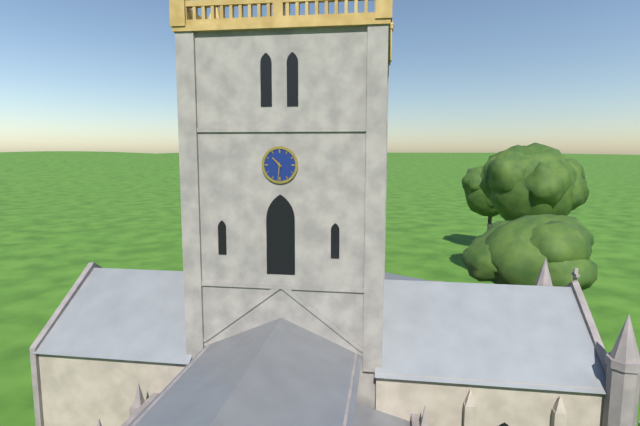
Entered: 10h31
